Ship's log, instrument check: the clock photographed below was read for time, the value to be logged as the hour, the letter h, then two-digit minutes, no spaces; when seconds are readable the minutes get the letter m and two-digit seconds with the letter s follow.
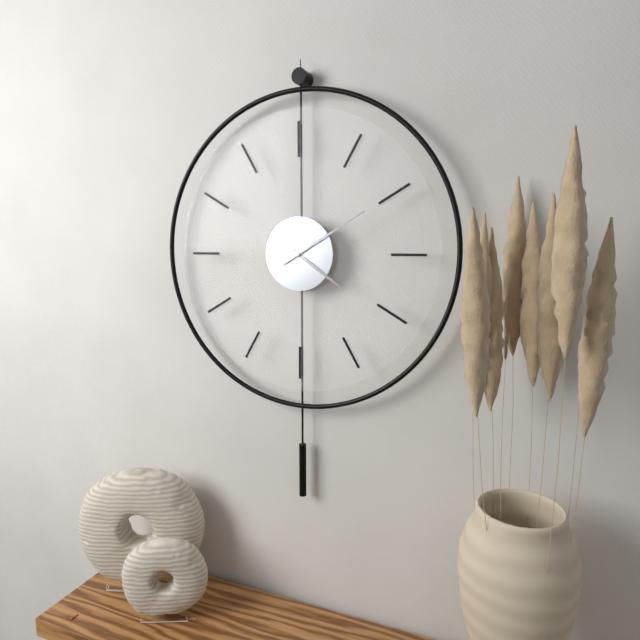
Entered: 4h10
